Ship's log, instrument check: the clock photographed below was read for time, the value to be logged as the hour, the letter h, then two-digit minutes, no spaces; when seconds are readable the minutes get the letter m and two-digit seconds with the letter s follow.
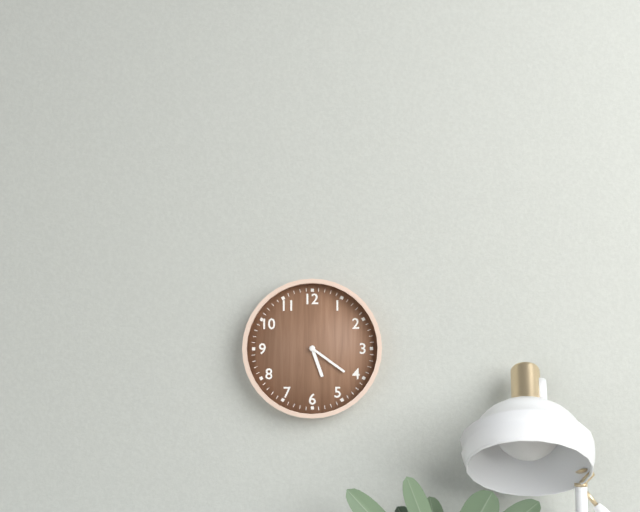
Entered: 5h21
